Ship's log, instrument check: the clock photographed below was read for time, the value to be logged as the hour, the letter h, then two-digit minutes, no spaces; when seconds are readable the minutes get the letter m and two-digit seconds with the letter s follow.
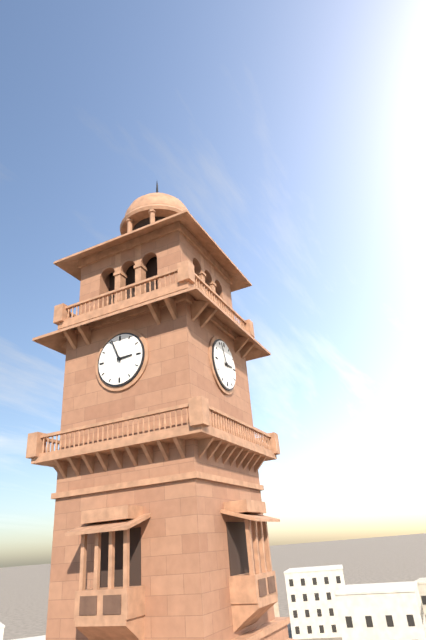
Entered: 2h56
